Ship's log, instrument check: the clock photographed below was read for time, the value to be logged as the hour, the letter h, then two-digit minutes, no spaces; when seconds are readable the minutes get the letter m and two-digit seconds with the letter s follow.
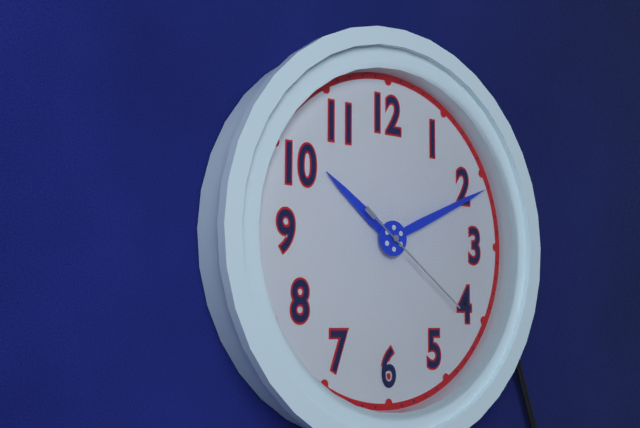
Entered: 10h11m21s
